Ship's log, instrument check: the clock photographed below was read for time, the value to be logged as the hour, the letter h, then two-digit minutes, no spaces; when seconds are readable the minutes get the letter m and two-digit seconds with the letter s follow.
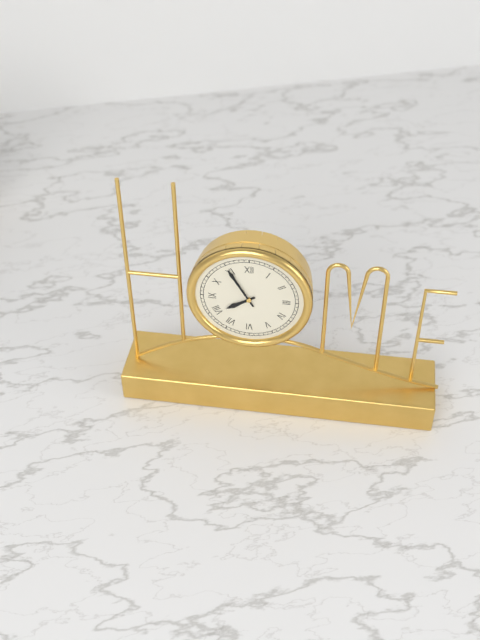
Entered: 7h55
